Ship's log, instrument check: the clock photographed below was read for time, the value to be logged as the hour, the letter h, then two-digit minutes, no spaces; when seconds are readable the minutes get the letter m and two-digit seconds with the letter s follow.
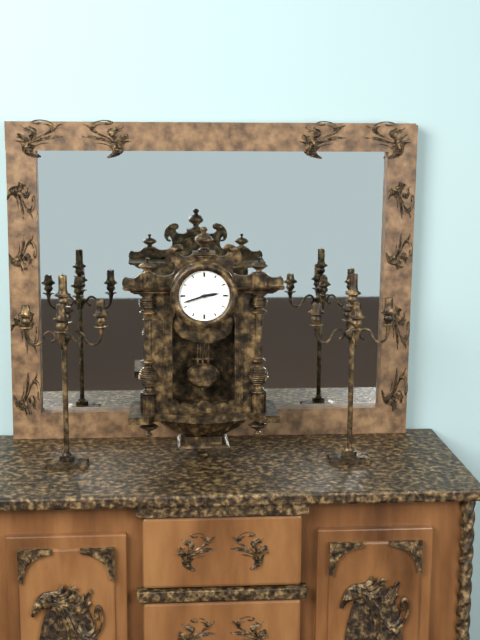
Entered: 2h42
